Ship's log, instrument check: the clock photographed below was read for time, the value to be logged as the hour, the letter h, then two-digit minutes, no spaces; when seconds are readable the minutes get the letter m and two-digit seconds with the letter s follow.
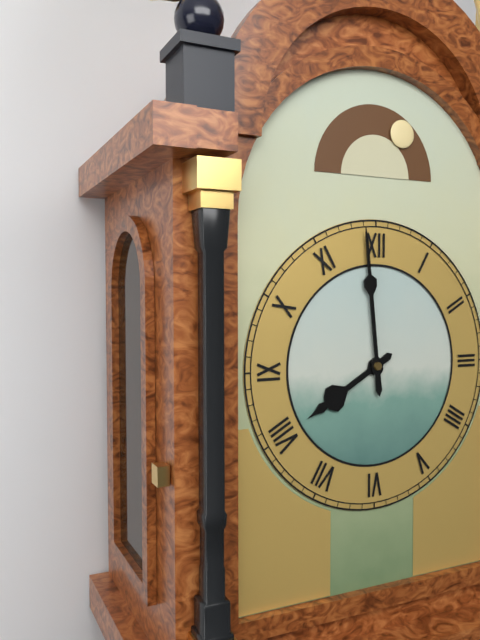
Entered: 7h59
